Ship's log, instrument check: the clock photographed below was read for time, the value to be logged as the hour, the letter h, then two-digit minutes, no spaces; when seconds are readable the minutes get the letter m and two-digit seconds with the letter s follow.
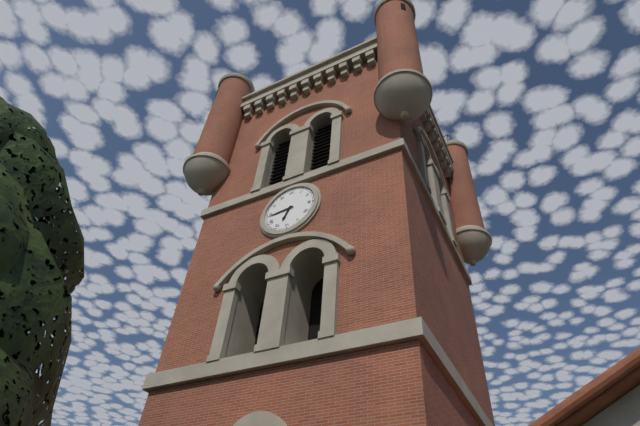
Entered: 6h44
